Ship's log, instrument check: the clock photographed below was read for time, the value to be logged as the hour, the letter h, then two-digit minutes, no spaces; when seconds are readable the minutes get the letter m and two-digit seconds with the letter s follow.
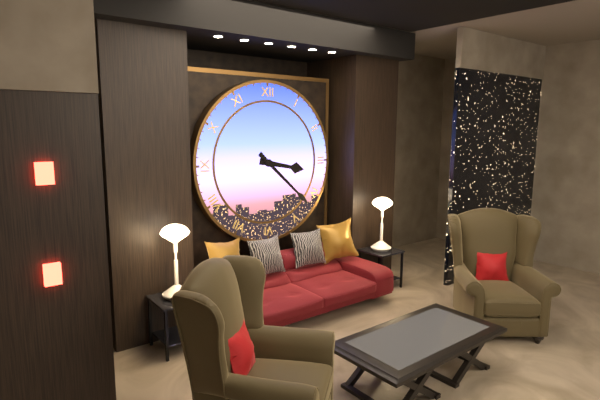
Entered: 3h22
